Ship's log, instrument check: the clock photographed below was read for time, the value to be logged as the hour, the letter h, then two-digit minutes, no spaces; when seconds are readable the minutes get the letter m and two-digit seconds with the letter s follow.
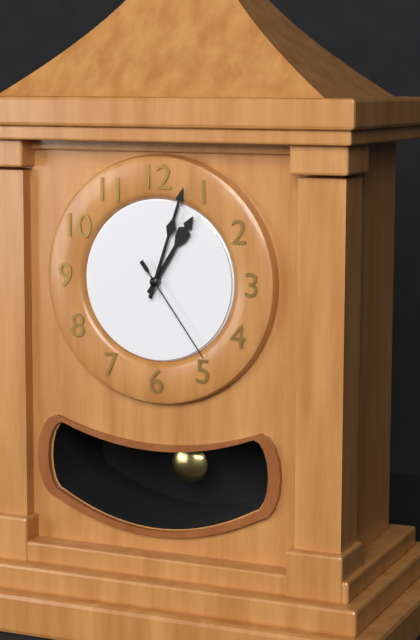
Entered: 1h03m24s
